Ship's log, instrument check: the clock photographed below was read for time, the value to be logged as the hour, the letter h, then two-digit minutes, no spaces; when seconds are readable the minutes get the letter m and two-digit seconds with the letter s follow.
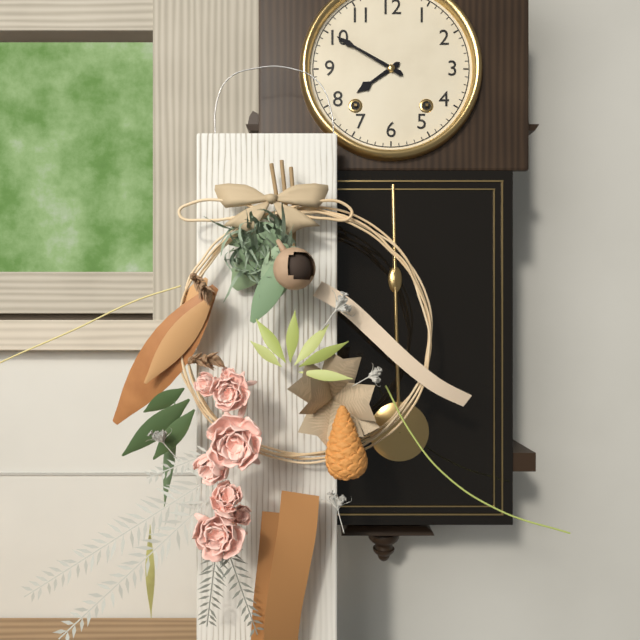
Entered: 7h50
